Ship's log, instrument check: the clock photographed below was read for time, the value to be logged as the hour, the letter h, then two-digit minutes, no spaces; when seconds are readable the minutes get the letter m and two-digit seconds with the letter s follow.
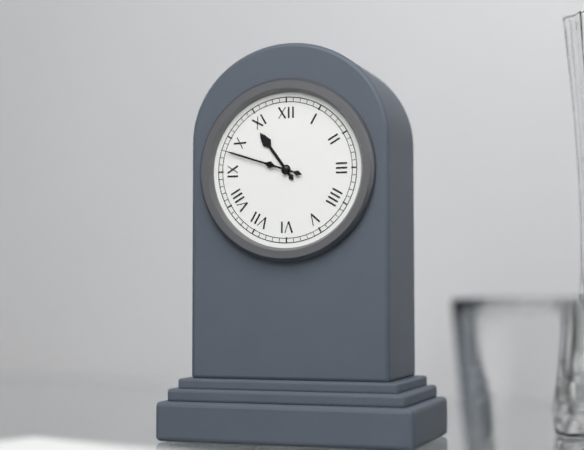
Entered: 10h48
